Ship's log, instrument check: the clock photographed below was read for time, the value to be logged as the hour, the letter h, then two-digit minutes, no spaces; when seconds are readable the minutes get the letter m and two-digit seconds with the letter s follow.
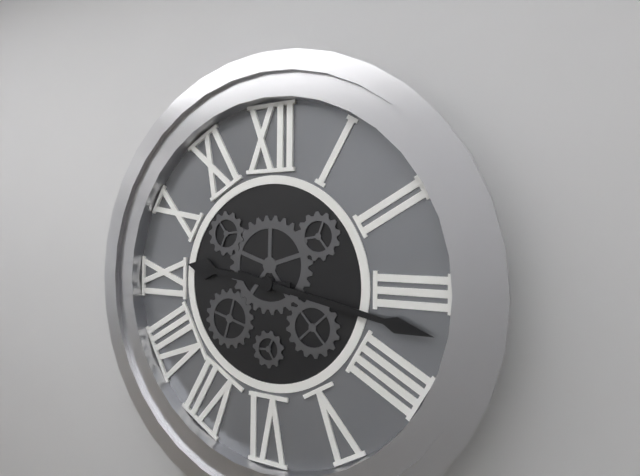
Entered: 9h17
